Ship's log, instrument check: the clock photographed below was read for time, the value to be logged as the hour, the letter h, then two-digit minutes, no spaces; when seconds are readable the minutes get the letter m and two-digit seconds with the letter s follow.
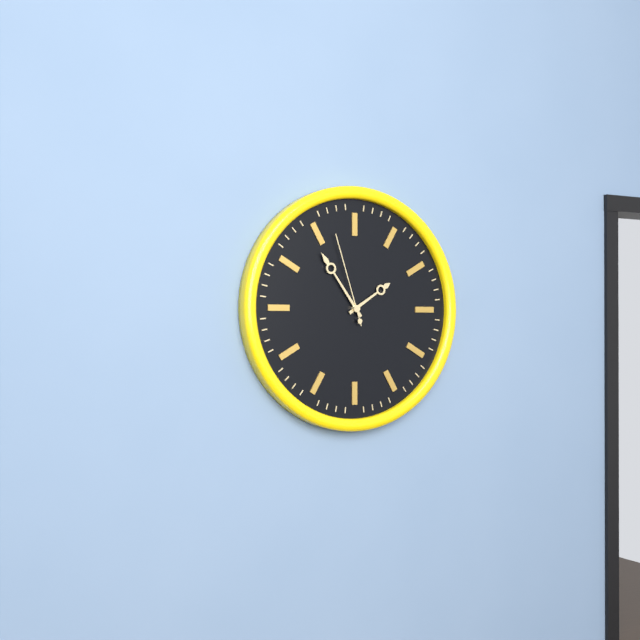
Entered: 1h54m57s
